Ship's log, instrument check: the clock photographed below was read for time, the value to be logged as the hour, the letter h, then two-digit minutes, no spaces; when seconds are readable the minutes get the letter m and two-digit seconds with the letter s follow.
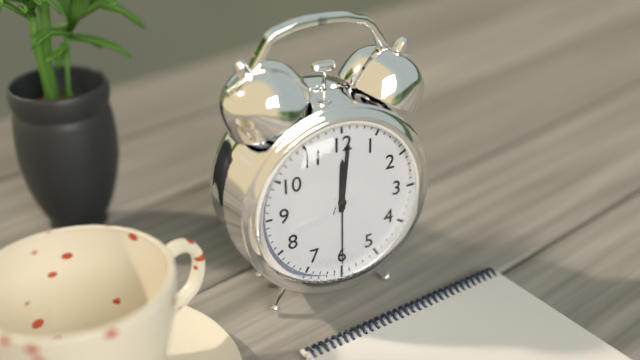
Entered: 12h01m30s
